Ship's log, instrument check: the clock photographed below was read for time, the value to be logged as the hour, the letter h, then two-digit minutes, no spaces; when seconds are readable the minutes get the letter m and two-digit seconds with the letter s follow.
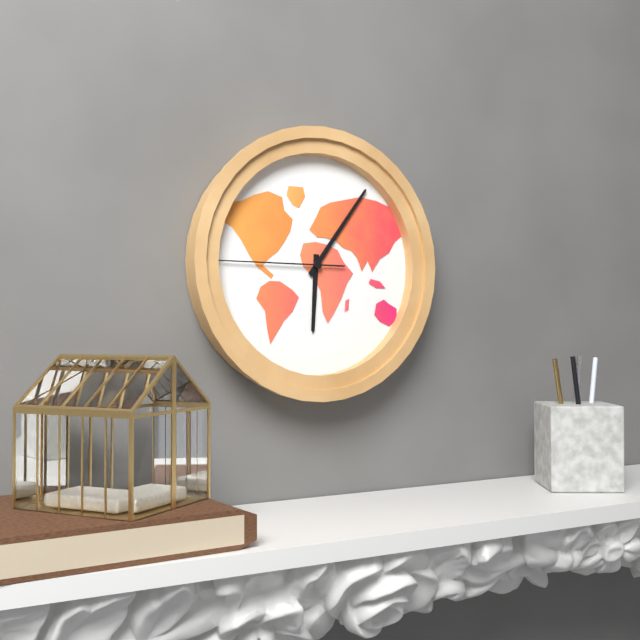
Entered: 6h06m45s
